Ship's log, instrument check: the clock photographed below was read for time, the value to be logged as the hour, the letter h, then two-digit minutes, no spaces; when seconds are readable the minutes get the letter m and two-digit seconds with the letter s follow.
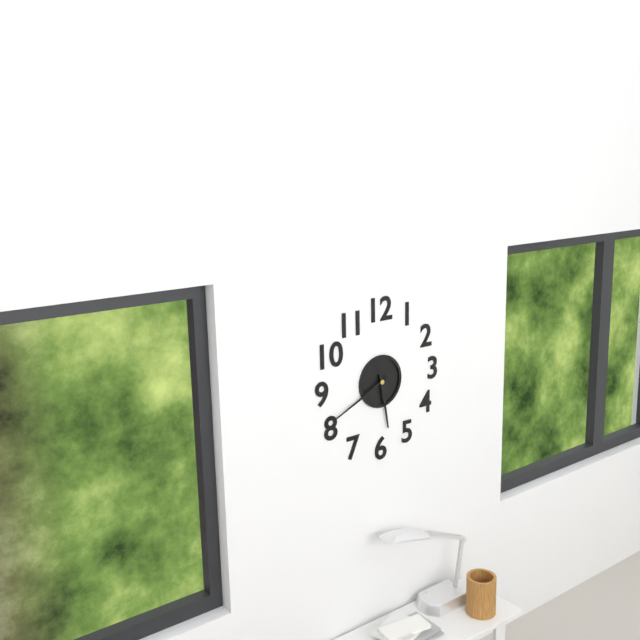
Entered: 5h41
